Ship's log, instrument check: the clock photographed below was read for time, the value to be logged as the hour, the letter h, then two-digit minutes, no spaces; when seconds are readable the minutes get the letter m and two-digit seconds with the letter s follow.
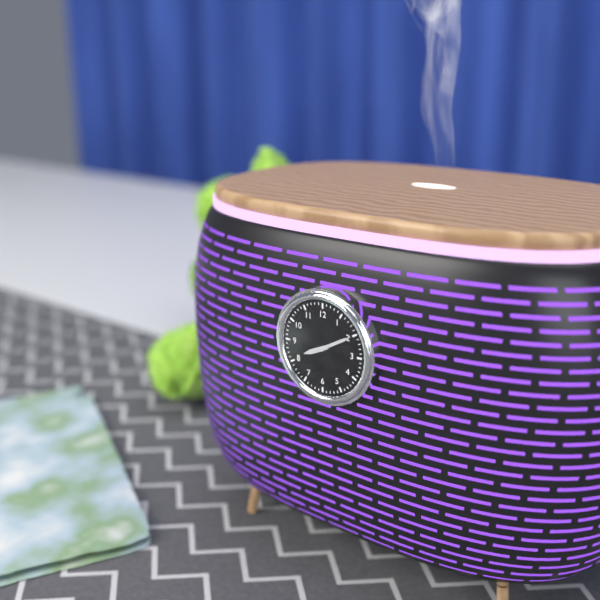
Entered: 8h10
